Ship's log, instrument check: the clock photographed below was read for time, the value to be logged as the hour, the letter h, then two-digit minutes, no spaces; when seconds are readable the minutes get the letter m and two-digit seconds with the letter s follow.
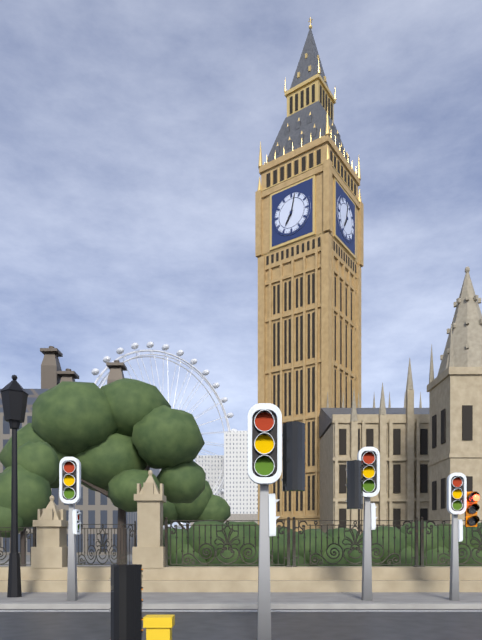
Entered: 7h02
